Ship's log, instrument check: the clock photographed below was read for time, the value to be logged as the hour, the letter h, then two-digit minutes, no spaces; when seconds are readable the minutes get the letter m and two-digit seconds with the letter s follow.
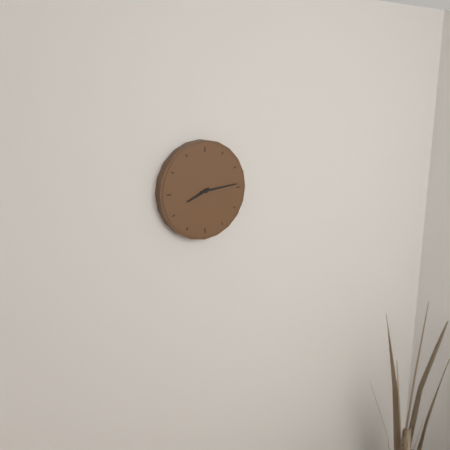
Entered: 8h14
